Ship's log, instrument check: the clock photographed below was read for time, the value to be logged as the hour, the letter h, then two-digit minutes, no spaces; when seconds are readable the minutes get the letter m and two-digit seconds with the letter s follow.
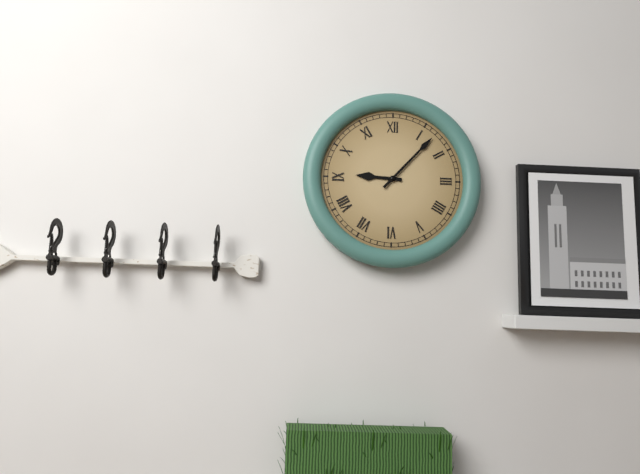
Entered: 9h07
